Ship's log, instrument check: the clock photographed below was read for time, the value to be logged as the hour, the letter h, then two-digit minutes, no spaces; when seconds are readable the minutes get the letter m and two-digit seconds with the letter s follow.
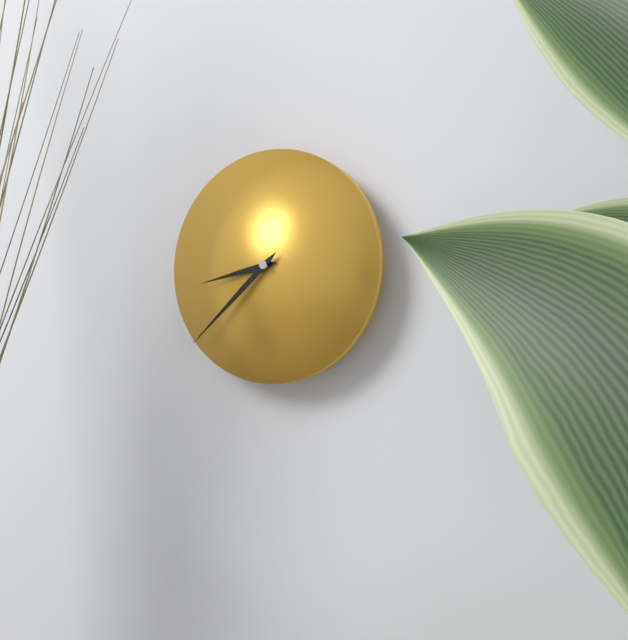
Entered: 8h38
